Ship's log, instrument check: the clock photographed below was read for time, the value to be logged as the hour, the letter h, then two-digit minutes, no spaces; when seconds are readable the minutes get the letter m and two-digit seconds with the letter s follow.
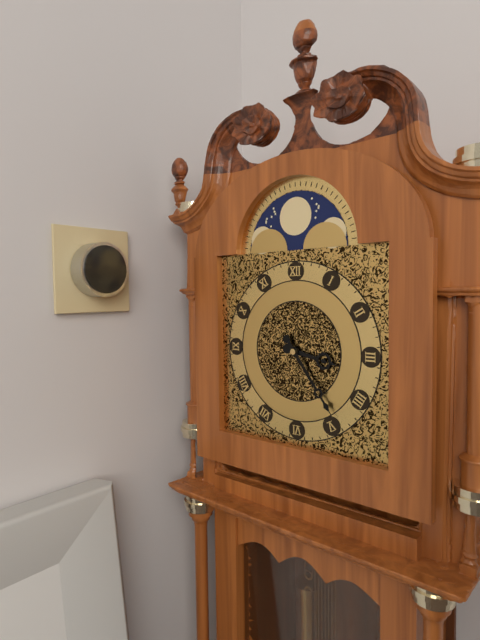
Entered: 3h24
